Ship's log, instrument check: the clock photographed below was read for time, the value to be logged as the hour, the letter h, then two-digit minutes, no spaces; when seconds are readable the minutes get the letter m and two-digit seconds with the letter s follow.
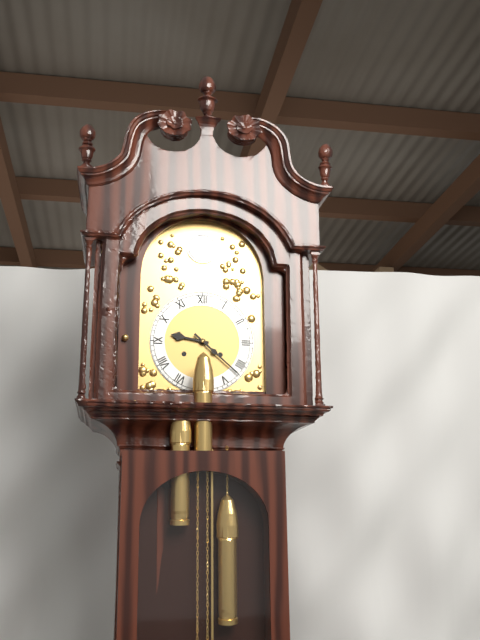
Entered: 9h22
